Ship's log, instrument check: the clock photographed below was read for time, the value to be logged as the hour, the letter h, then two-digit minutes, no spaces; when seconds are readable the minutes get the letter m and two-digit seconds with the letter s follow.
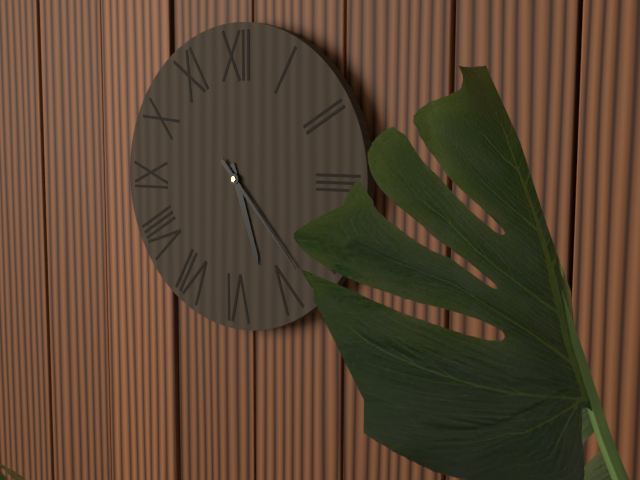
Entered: 5h23
